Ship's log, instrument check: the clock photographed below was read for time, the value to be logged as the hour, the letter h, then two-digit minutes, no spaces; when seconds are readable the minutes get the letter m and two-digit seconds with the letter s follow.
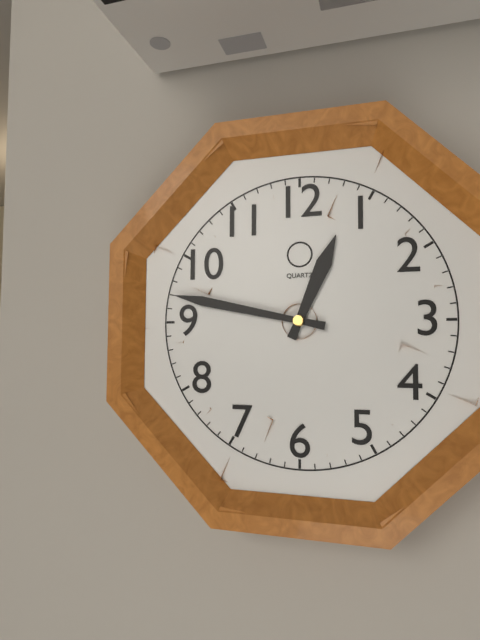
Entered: 12h47
